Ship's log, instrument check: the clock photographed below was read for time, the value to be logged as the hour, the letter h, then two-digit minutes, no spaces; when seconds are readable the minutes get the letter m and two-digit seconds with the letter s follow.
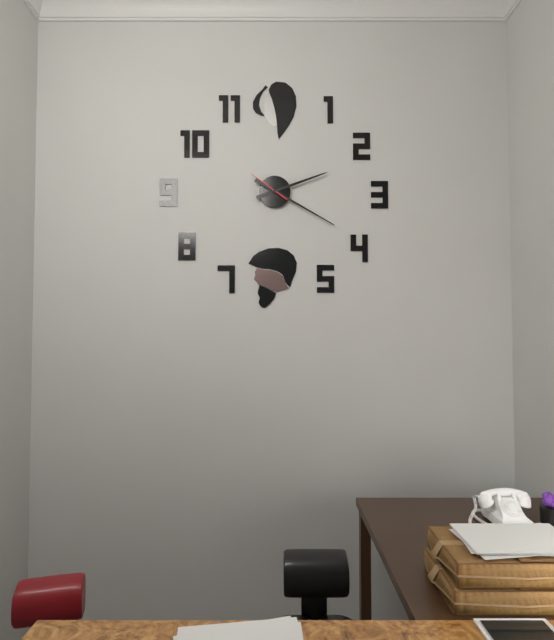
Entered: 2h20
